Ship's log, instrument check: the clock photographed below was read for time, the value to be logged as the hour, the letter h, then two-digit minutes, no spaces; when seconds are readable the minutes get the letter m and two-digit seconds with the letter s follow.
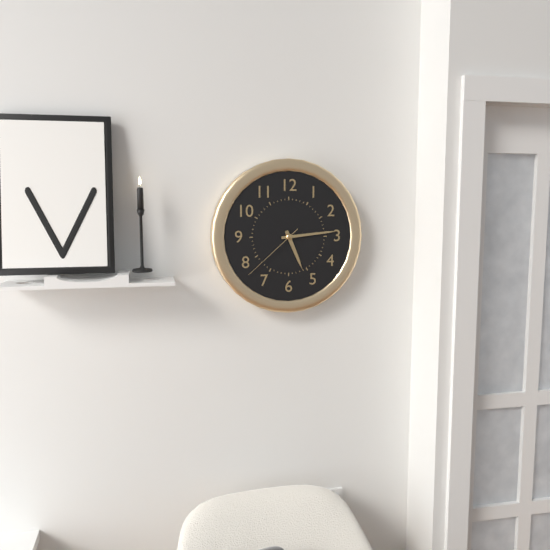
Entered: 5h14m38s
